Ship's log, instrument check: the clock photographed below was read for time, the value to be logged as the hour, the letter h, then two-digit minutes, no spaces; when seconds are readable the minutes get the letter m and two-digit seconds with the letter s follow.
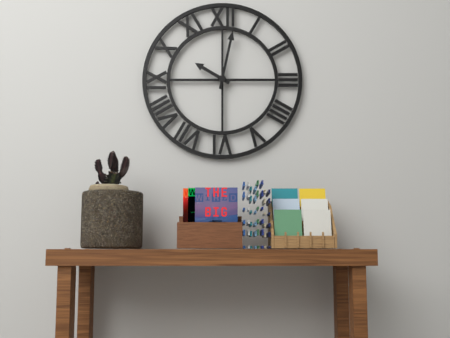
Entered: 10h02
